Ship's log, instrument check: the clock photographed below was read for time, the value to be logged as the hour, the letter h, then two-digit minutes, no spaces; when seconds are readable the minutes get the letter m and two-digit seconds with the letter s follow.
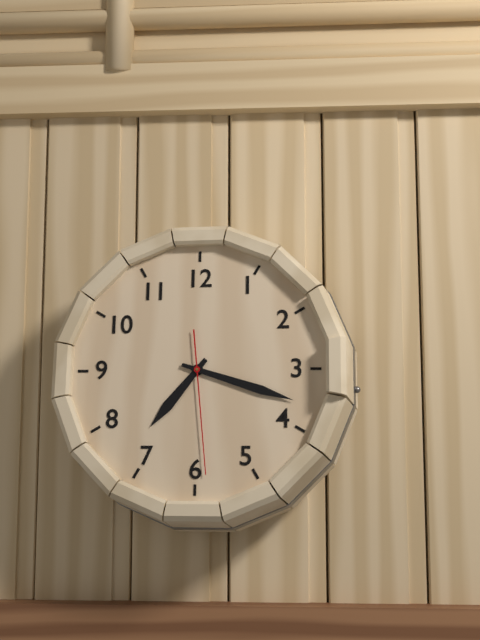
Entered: 7h18m29s
